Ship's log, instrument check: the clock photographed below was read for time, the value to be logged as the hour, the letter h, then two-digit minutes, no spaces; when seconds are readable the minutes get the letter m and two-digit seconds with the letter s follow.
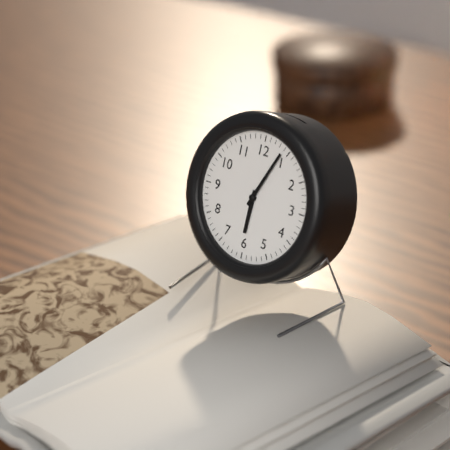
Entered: 6h04
